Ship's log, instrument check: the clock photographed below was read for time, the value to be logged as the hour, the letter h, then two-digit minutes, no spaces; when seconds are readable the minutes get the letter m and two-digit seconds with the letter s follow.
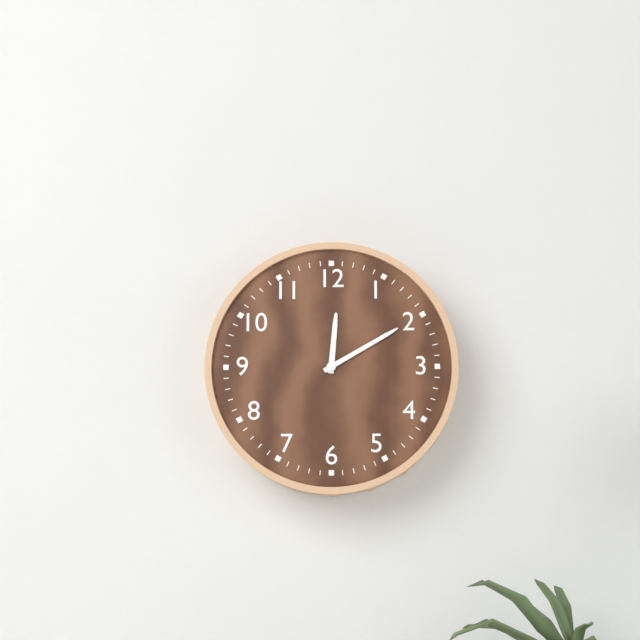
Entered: 12h10
